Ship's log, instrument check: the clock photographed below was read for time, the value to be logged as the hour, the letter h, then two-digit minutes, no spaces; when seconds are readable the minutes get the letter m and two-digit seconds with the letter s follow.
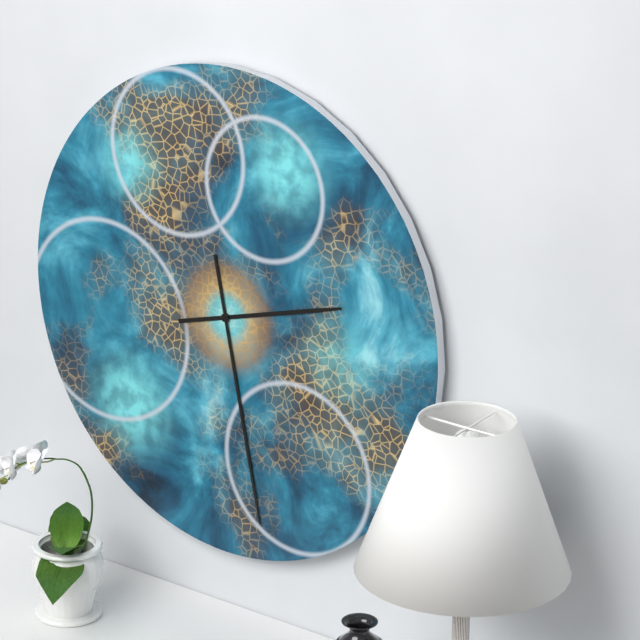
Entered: 2h28
